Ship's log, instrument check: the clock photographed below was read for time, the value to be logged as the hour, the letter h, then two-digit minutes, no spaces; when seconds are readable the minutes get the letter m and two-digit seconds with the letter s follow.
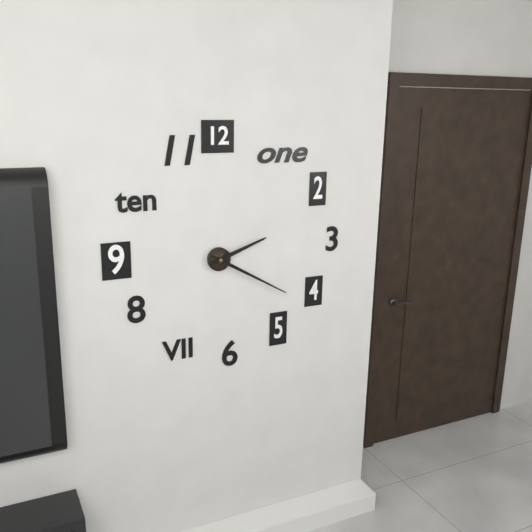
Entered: 2h20
